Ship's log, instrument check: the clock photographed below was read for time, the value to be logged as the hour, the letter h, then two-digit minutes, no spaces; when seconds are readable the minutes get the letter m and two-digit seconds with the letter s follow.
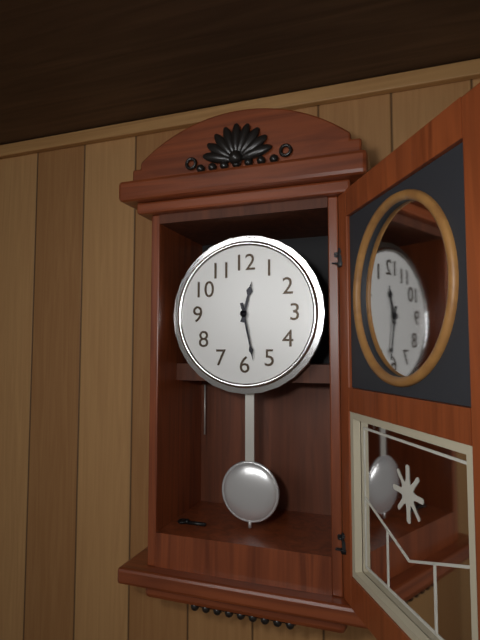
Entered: 12h28
